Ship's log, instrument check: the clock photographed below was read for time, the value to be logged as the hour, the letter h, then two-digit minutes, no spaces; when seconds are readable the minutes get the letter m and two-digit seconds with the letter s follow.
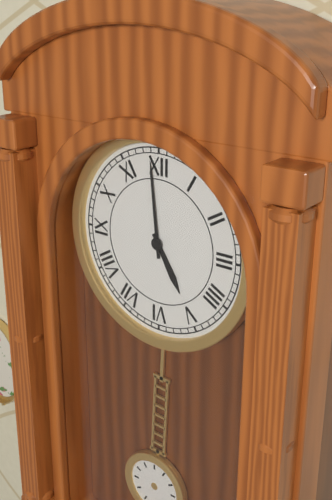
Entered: 4h59
